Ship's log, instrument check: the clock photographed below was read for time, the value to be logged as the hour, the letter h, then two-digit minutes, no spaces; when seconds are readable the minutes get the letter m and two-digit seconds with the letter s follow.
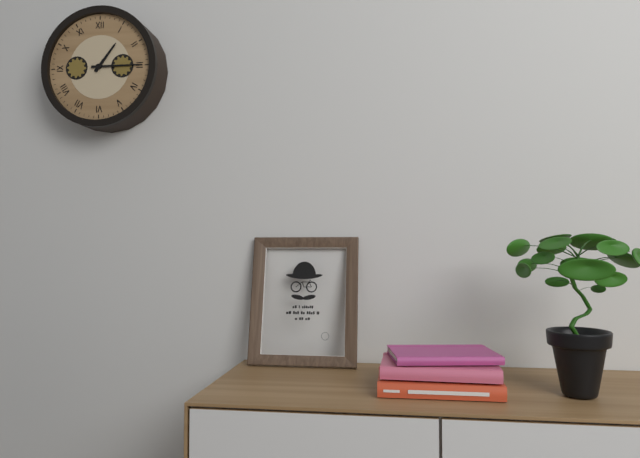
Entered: 1h15
